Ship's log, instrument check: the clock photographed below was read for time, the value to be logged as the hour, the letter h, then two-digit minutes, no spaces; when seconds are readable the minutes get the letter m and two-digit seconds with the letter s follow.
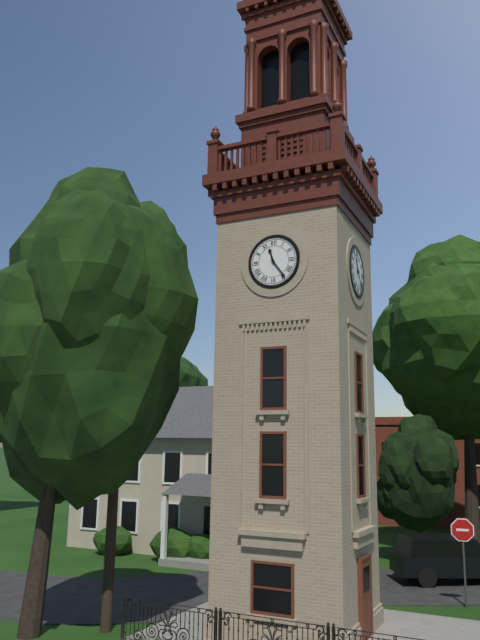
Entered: 11h24
